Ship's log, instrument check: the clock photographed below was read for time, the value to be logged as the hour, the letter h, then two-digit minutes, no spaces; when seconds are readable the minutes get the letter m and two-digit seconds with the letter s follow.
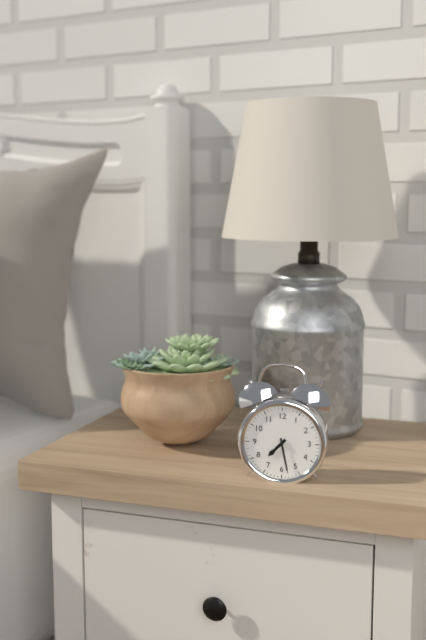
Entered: 7h28
